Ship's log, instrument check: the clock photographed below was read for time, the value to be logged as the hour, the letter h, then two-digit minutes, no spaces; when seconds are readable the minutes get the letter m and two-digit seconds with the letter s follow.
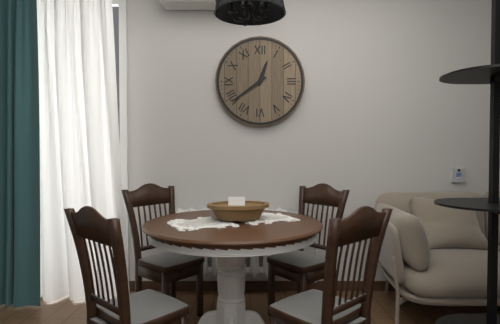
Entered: 12h39
